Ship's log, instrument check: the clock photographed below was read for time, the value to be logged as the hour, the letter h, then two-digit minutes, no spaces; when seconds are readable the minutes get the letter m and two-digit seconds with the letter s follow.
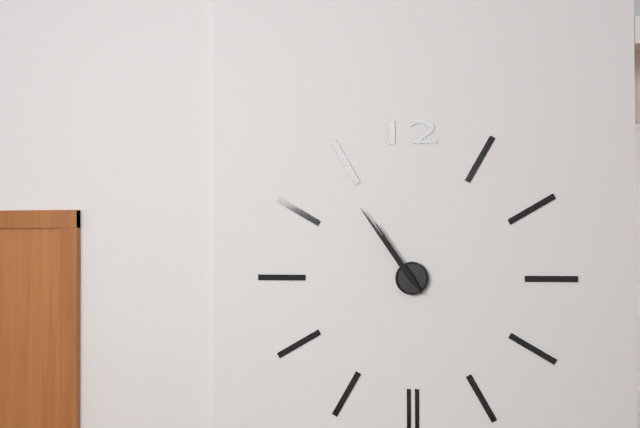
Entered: 10h54
